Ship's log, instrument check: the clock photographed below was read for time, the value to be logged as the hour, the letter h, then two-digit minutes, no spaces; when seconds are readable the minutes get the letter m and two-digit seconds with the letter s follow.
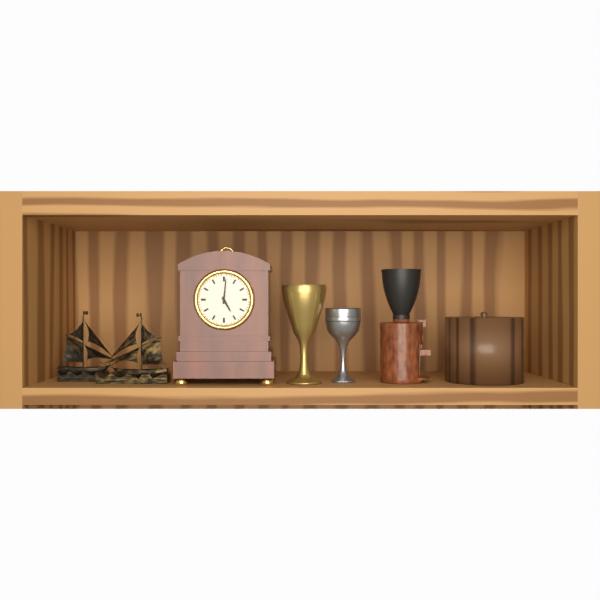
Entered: 5h01
